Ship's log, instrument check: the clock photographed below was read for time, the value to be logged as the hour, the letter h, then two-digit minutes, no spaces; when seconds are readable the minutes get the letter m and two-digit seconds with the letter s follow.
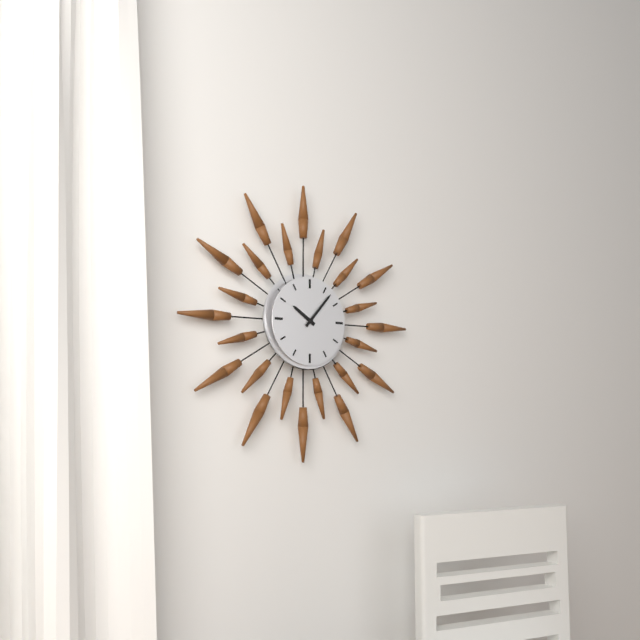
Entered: 10h07
